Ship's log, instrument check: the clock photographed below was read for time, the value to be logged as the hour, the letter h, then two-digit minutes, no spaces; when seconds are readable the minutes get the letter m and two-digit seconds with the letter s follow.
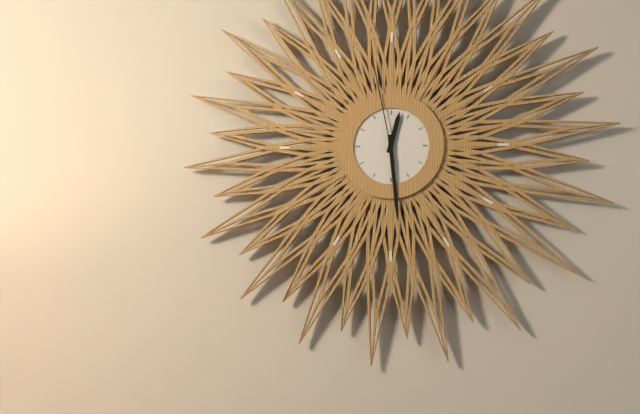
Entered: 12h29m58s
